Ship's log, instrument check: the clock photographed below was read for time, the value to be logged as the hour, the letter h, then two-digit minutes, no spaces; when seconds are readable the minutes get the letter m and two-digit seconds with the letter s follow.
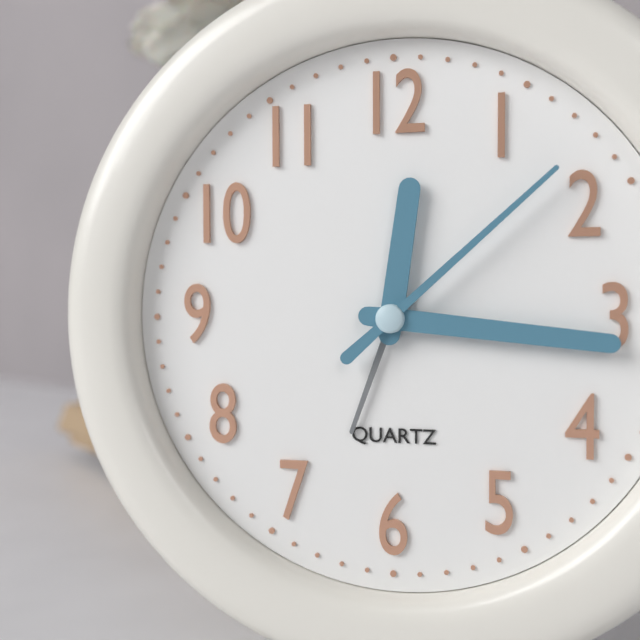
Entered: 12h16m08s
